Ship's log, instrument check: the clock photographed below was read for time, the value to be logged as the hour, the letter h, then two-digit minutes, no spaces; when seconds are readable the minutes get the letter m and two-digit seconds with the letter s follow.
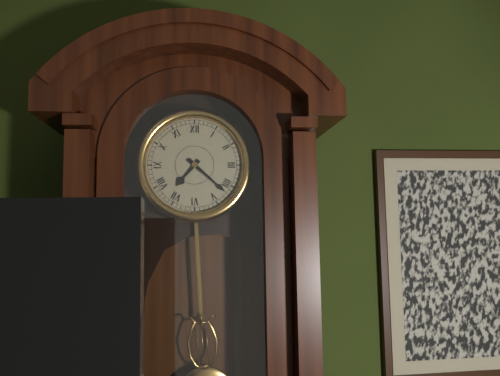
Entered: 7h22
